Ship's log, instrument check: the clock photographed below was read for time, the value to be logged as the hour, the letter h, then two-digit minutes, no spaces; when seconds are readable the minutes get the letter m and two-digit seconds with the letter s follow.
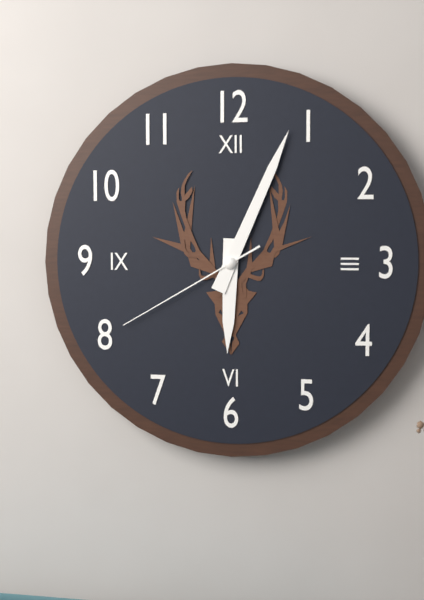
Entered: 6h04m40s
